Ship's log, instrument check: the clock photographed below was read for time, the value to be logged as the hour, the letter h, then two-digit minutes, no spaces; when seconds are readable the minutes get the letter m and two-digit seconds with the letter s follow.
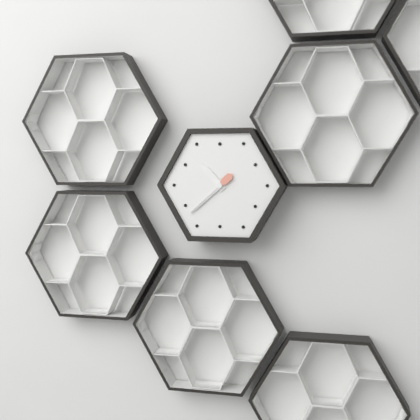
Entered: 10h38m38s
